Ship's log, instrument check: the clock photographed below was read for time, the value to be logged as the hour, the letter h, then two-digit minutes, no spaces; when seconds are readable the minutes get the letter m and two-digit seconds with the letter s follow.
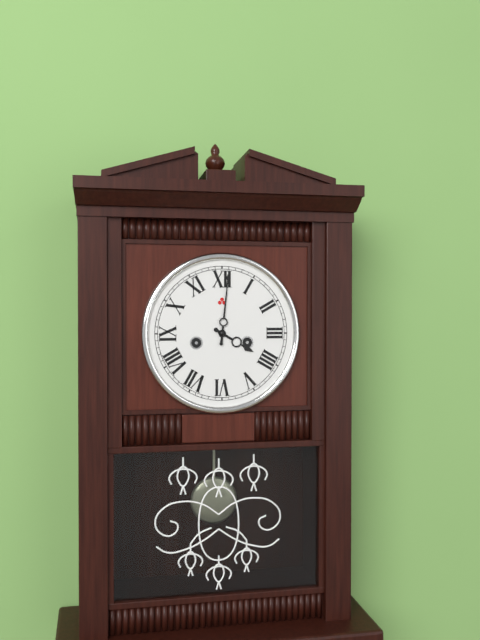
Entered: 4h01
